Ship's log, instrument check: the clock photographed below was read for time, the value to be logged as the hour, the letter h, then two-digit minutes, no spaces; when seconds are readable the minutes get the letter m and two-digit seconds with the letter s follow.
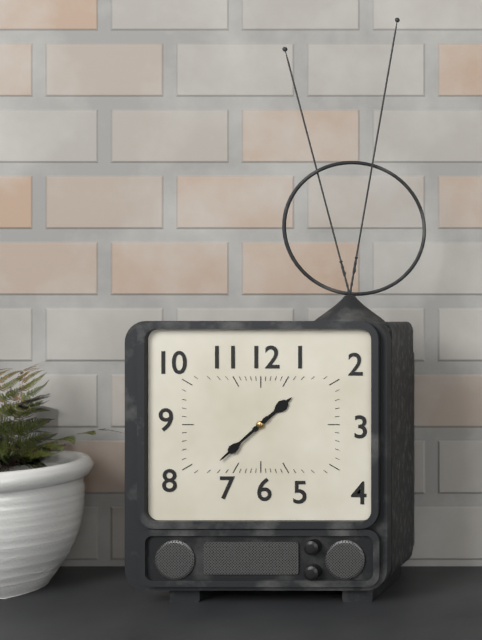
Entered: 1h38
